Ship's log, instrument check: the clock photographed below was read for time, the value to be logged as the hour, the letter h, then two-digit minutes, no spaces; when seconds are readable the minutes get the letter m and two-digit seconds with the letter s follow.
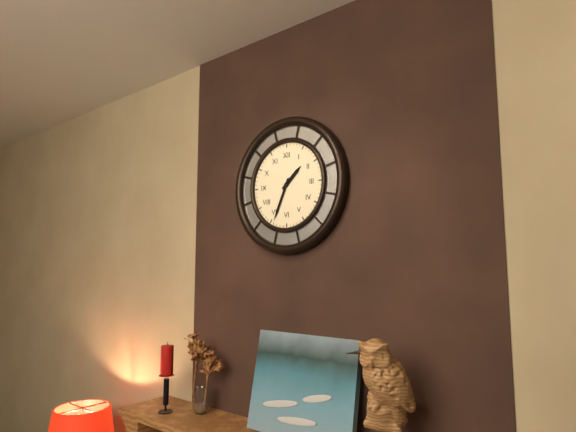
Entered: 1h34
